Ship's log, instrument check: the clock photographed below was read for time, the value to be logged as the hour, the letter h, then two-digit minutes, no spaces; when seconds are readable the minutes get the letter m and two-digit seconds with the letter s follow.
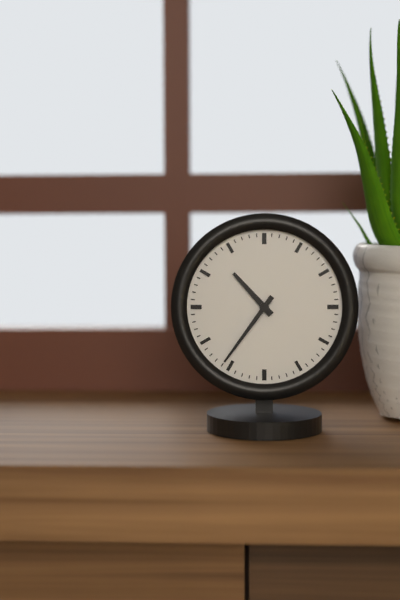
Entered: 10h36
